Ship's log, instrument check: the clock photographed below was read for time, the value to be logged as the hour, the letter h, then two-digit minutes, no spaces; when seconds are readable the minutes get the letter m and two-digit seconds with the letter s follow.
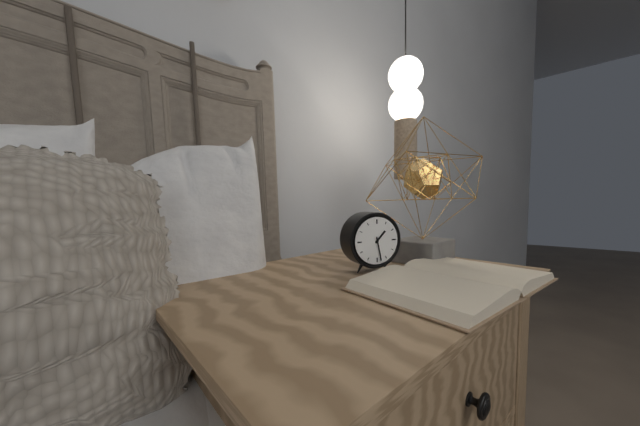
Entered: 1h28
